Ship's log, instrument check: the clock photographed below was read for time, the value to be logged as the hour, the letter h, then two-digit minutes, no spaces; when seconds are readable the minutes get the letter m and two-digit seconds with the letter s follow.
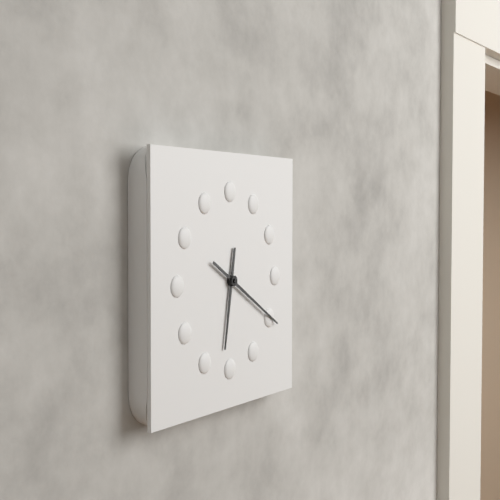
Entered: 6h20
